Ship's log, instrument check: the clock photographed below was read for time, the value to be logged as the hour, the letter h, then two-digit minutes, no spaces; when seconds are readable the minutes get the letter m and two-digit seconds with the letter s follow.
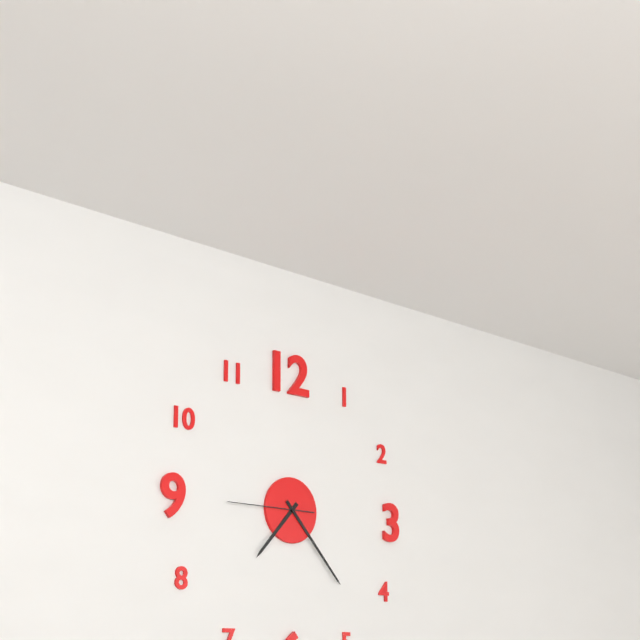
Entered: 7h23m45s
